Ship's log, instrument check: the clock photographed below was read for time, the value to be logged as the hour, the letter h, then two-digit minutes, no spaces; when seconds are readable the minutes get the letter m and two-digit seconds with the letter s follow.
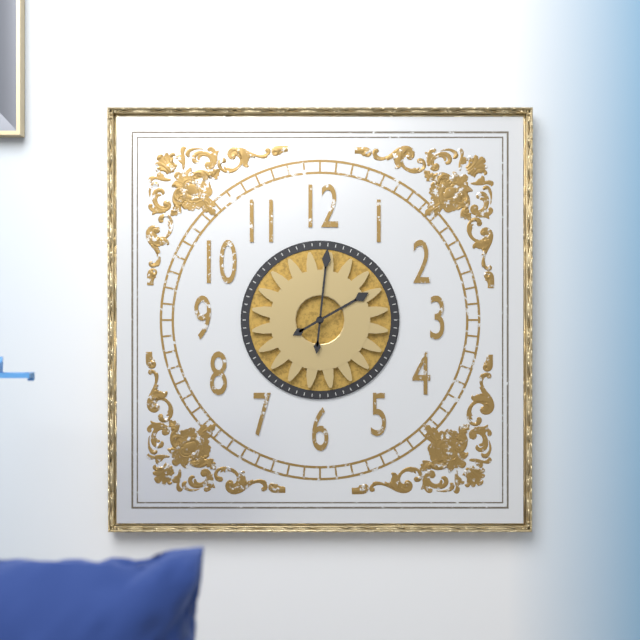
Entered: 2h01
